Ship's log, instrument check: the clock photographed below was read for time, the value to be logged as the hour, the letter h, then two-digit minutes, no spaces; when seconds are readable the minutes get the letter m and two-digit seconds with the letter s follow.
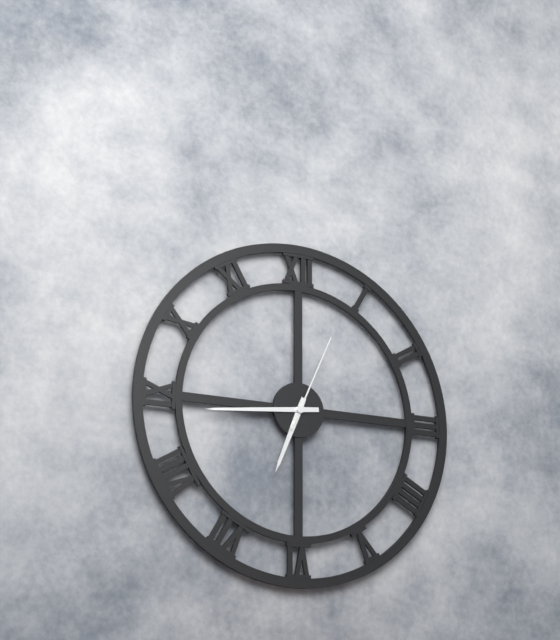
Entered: 6h44m04s
